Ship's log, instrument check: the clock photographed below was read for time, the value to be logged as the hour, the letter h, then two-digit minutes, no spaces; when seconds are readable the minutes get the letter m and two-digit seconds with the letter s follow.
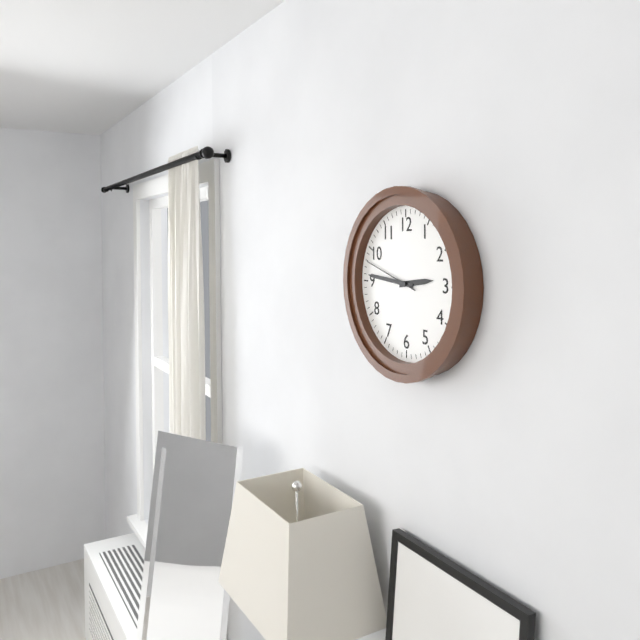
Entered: 2h46m48s
